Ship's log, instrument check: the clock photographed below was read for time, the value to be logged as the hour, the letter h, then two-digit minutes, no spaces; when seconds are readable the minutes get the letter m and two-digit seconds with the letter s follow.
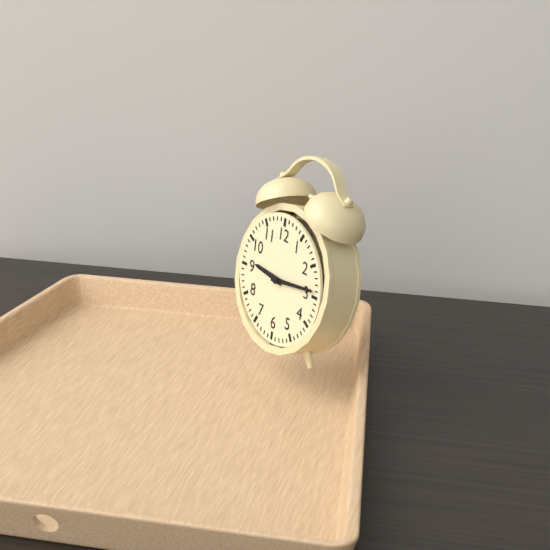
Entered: 9h14
